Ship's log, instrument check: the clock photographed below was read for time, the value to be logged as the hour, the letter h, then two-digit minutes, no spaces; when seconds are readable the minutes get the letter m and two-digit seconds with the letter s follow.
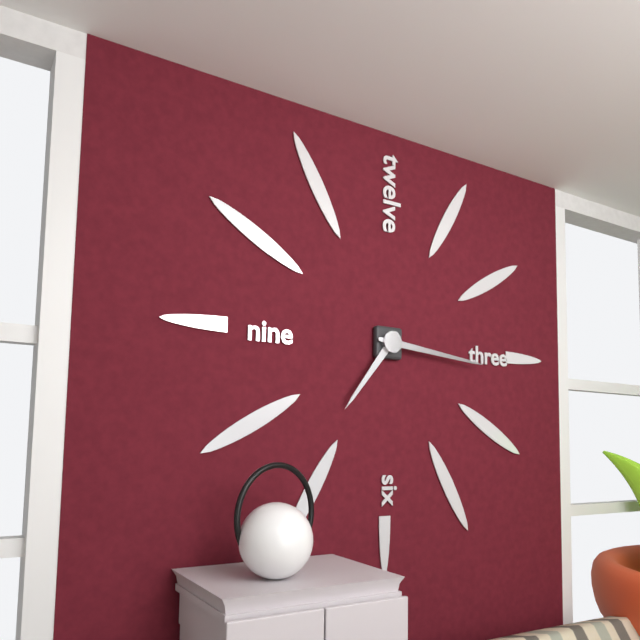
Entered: 7h16
